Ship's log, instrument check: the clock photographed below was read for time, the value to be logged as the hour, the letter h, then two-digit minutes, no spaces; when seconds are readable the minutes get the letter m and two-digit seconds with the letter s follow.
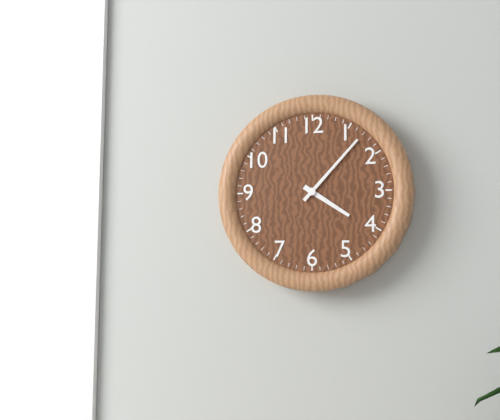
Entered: 4h07
